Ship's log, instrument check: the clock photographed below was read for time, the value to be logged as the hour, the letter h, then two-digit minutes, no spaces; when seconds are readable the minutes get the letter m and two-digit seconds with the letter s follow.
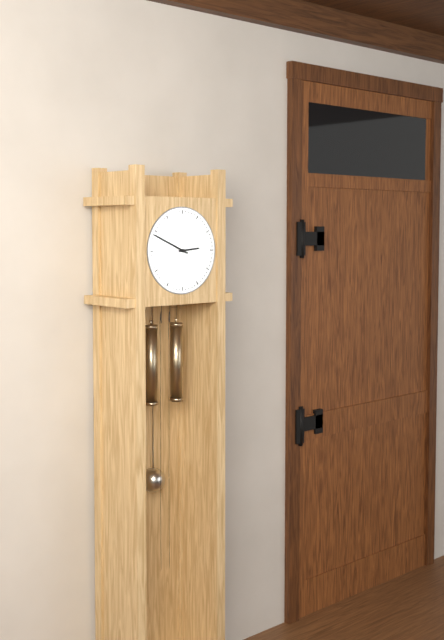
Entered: 2h49
